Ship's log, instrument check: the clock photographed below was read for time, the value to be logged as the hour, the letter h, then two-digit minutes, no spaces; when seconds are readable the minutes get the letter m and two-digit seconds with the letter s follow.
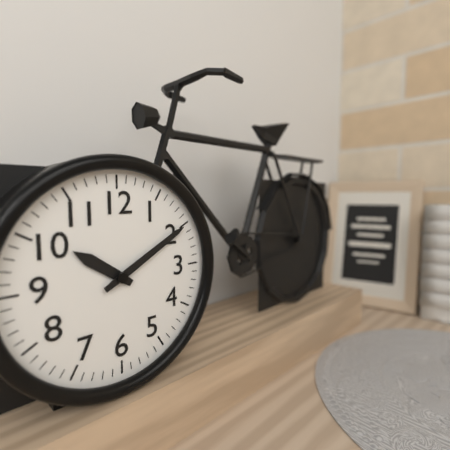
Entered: 10h10
